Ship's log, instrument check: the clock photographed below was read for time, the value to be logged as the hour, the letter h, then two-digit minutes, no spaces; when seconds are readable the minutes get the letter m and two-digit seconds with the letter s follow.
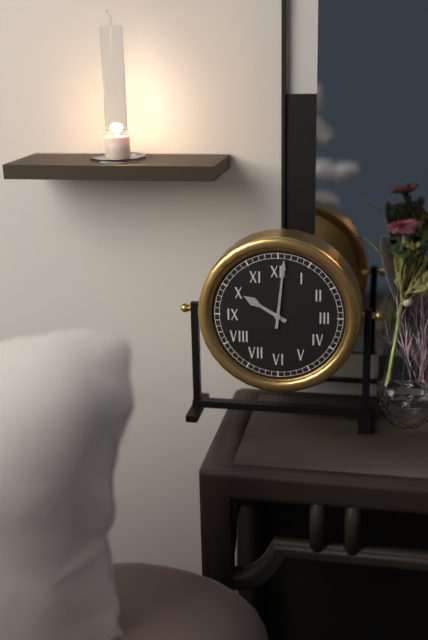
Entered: 10h01
